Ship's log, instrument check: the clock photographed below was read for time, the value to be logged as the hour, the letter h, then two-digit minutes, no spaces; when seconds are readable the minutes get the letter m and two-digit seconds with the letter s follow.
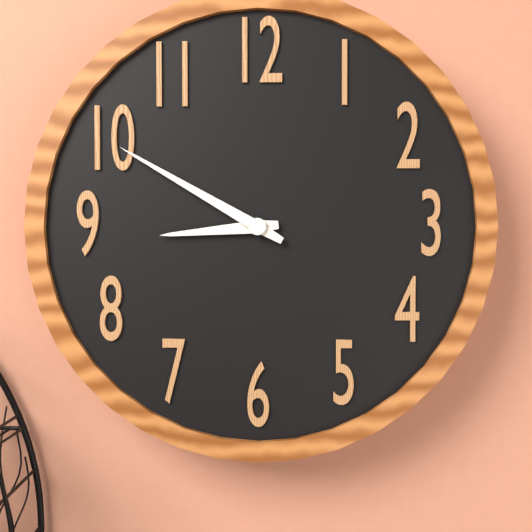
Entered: 8h50
